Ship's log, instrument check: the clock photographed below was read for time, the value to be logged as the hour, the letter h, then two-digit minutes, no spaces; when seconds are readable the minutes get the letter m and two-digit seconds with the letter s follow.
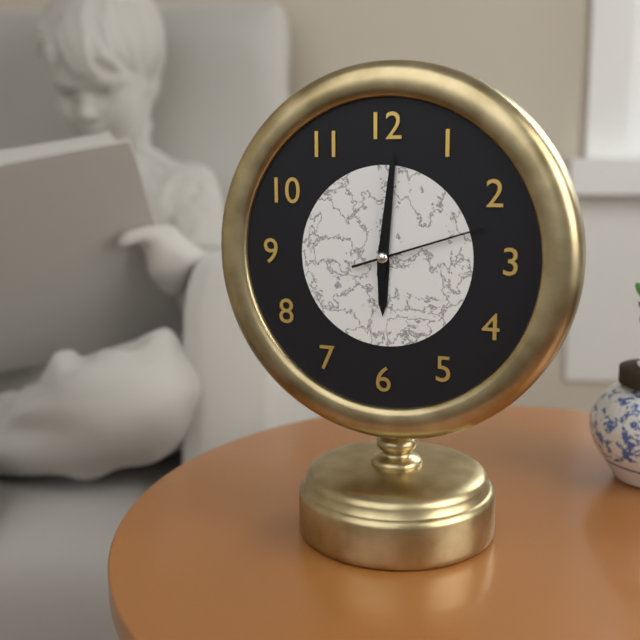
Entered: 6h01m12s
